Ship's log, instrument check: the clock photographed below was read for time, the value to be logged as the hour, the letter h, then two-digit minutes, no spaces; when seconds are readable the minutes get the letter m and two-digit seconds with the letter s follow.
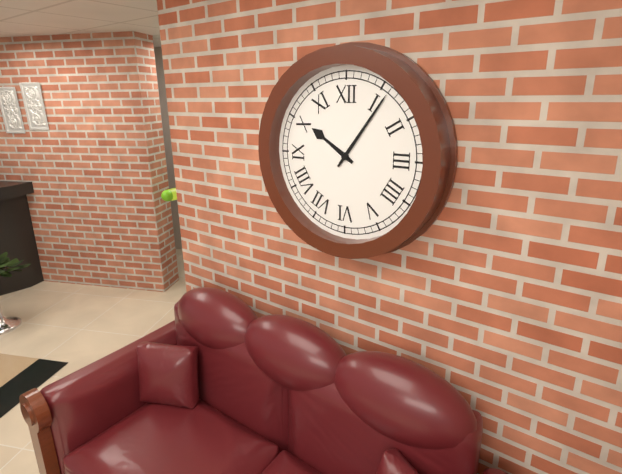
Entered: 10h06
